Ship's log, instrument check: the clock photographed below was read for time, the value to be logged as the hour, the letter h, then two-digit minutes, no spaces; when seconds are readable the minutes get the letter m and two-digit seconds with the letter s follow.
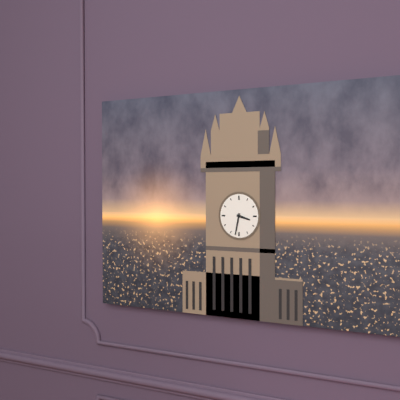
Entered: 3h32
